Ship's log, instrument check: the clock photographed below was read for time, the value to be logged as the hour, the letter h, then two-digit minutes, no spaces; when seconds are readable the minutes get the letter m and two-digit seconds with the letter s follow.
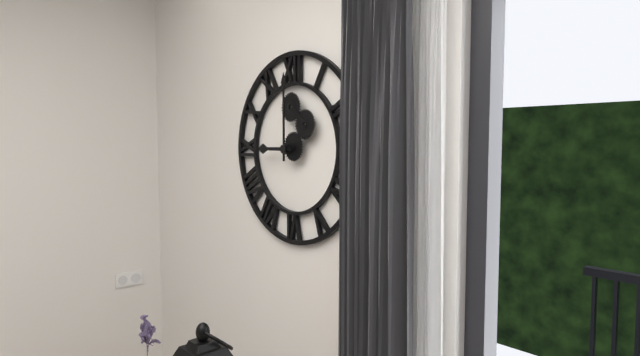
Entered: 9h00
